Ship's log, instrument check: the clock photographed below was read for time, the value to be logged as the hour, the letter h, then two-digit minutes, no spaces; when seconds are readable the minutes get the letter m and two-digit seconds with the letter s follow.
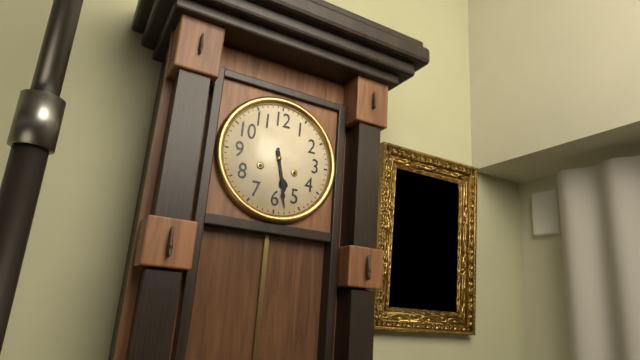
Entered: 5h28
